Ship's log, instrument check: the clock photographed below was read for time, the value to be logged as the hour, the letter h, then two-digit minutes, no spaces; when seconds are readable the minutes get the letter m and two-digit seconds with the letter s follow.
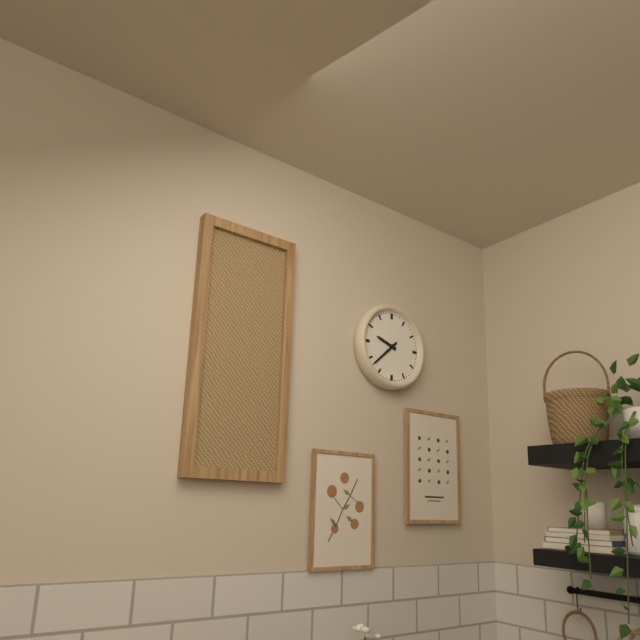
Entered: 9h38
